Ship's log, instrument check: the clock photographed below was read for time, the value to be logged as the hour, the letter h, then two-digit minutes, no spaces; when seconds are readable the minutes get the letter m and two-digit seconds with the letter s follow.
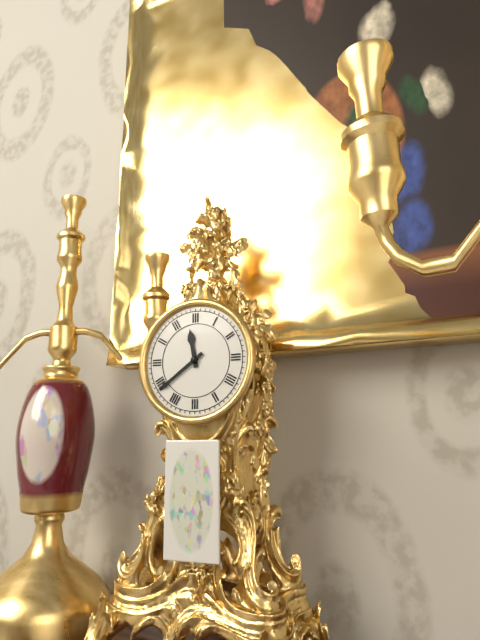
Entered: 11h39
